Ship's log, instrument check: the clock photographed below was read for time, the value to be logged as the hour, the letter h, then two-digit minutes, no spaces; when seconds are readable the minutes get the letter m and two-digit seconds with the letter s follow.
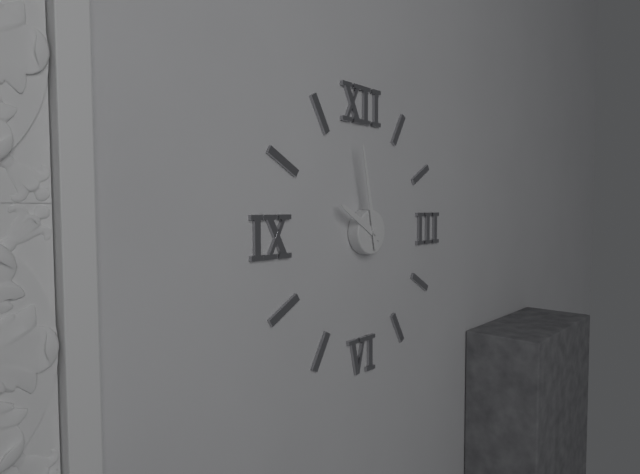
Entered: 9h58
